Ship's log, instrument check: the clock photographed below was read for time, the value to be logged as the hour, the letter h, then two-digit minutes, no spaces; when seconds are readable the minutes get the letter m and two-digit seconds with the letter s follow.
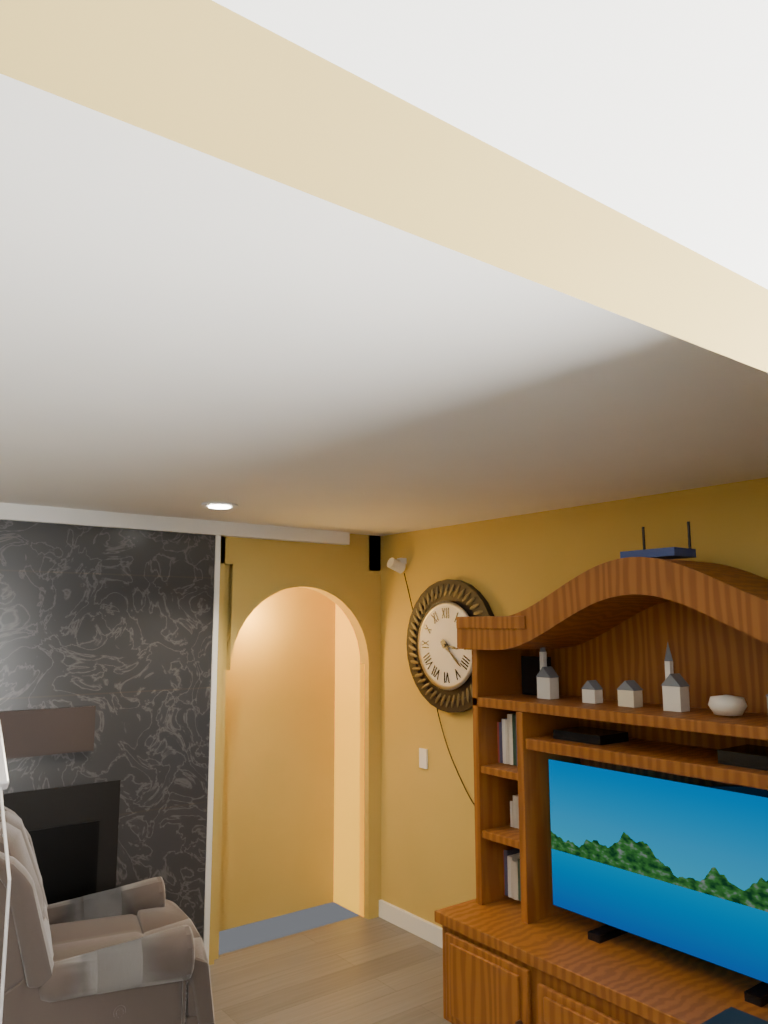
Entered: 3h22
